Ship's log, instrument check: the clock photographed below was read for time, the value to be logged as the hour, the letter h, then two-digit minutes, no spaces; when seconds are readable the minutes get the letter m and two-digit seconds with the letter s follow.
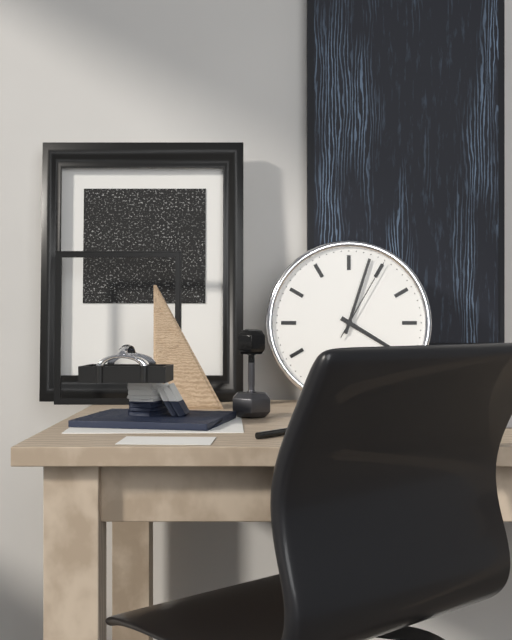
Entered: 4h03m05s
